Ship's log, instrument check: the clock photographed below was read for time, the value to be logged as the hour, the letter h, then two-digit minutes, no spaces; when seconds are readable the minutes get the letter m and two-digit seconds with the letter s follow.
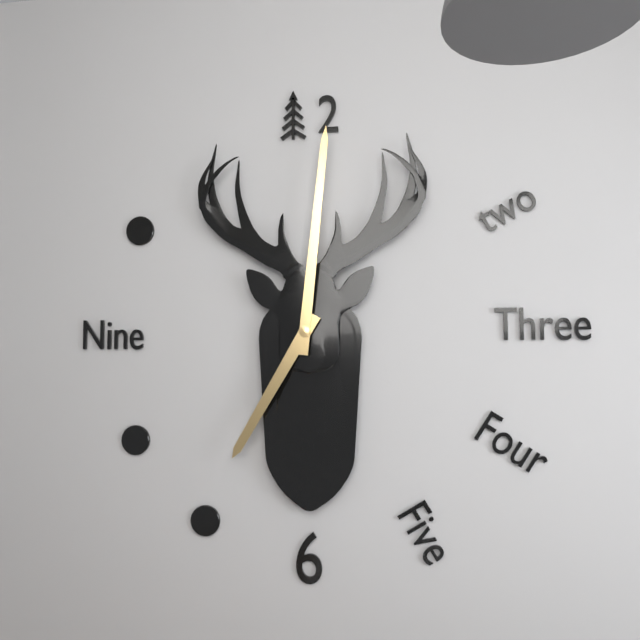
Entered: 7h01
